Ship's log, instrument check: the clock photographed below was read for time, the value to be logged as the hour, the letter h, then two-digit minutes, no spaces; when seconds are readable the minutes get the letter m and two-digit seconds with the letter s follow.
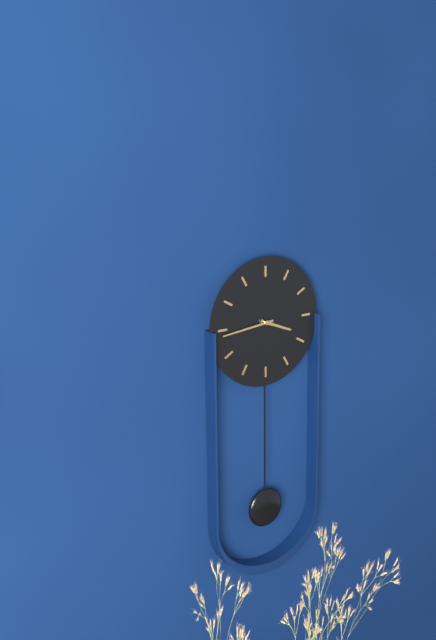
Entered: 3h44
